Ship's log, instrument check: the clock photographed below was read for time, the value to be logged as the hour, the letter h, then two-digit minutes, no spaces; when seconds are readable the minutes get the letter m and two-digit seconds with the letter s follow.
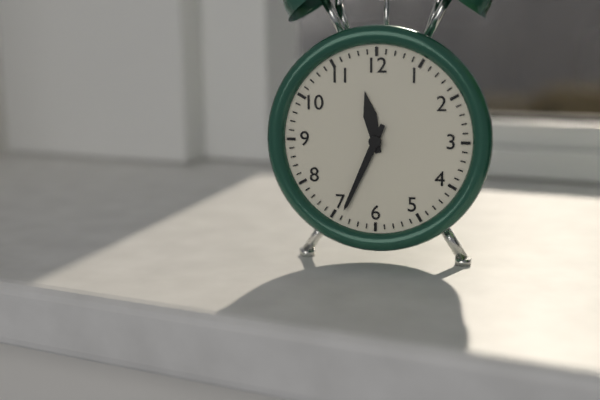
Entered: 11h34
